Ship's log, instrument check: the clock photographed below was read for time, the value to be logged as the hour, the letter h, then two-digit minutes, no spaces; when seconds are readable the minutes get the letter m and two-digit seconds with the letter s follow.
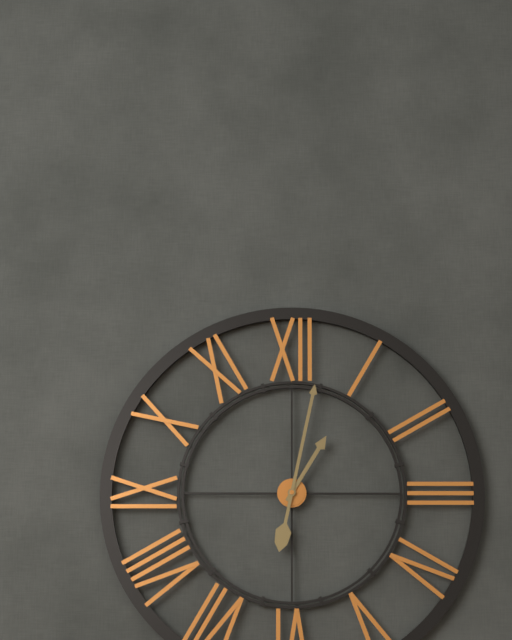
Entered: 1h02
